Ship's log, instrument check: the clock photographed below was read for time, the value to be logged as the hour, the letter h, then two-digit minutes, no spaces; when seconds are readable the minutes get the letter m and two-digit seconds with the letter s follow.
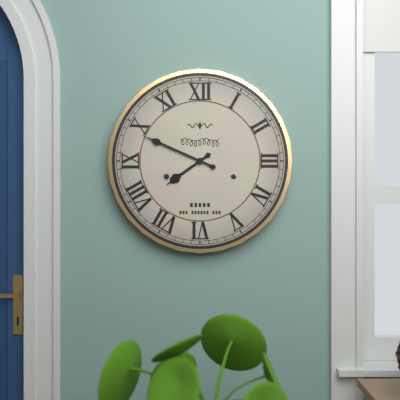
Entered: 7h49
